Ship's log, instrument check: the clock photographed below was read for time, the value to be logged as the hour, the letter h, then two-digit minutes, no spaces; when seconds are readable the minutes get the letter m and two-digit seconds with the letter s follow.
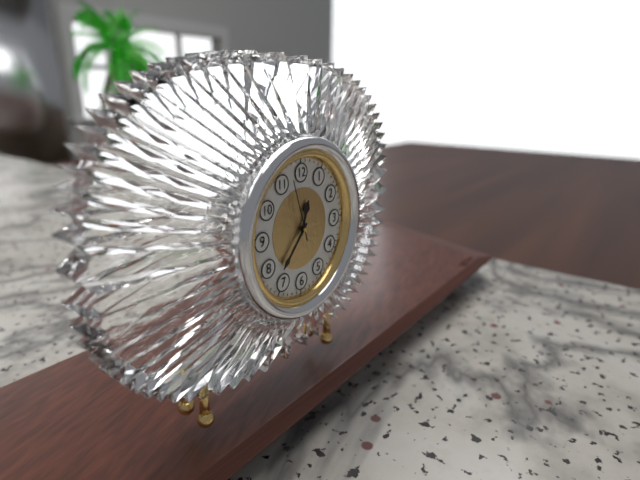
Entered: 12h37m57s
